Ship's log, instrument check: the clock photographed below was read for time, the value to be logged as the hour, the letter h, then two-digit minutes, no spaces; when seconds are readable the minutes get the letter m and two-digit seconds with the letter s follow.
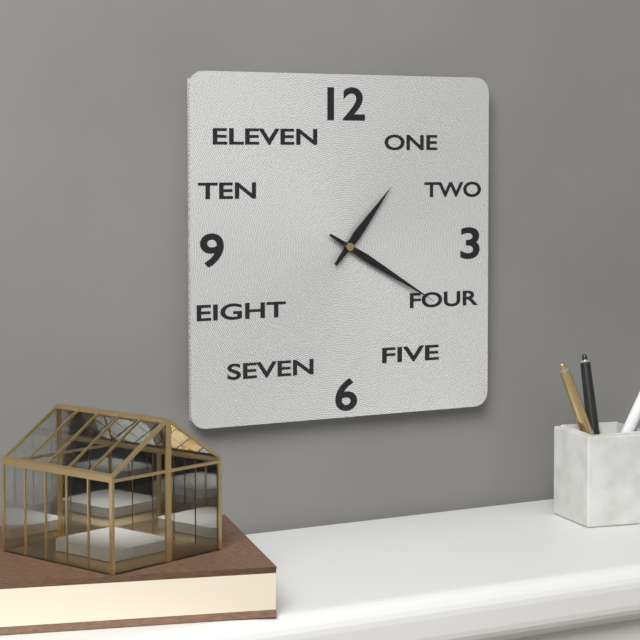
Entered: 1h20
